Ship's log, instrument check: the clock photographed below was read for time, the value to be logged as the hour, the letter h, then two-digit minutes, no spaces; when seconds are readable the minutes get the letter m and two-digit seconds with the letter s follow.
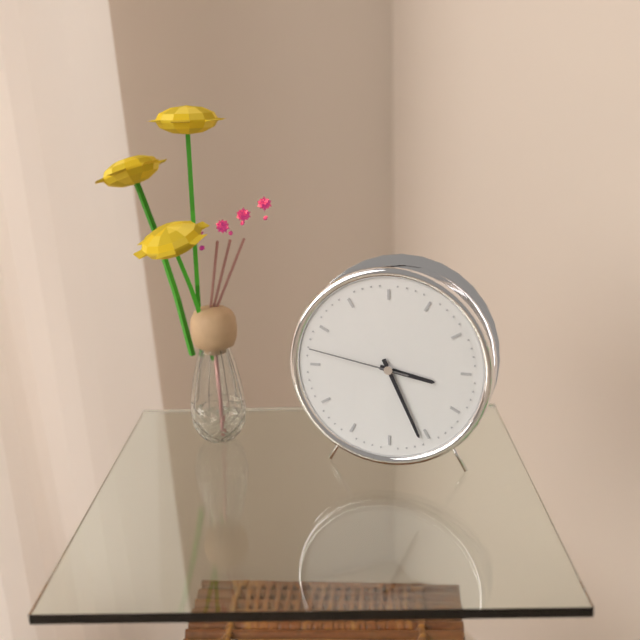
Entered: 3h26m47s
